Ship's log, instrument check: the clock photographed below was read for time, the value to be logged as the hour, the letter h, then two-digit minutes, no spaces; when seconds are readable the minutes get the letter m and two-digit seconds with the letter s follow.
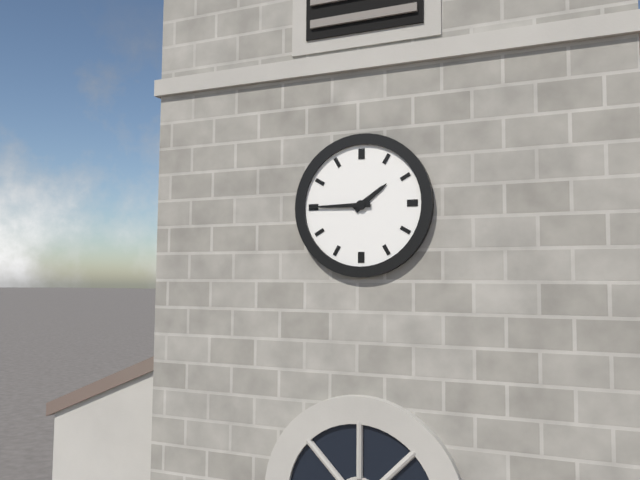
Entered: 1h45
